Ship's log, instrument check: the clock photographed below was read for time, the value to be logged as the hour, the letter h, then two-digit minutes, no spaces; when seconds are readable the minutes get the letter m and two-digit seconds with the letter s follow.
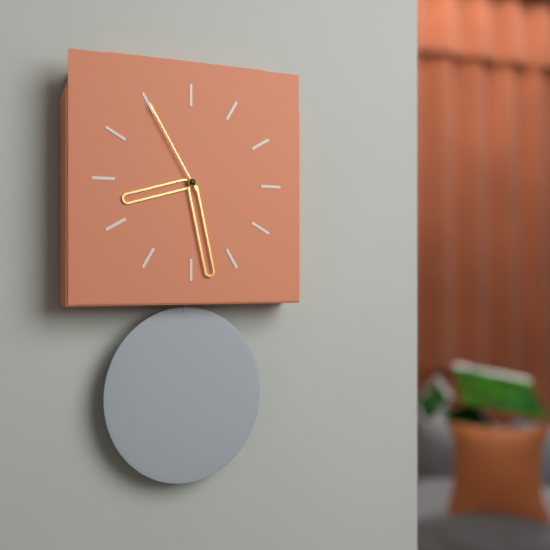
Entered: 8h28m55s
